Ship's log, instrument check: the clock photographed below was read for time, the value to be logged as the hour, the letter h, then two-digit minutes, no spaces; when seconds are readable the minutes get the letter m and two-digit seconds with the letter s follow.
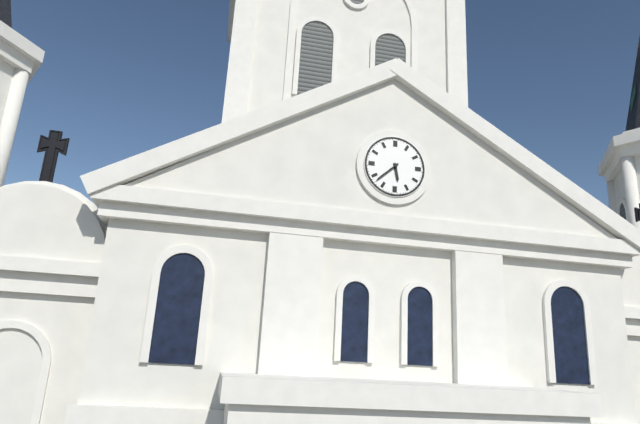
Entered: 5h38
